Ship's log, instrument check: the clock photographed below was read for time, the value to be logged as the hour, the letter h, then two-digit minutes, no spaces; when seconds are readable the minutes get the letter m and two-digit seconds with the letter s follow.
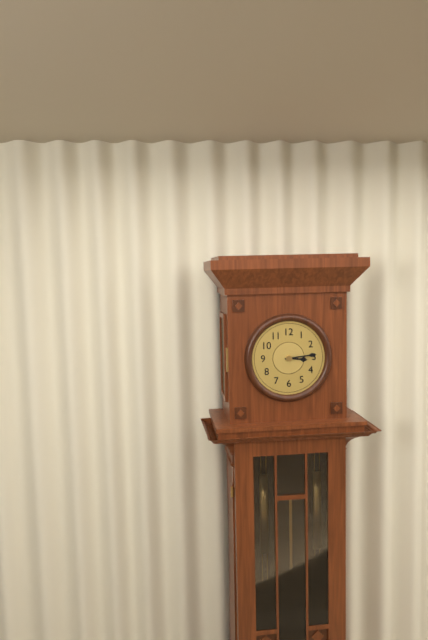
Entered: 3h14
